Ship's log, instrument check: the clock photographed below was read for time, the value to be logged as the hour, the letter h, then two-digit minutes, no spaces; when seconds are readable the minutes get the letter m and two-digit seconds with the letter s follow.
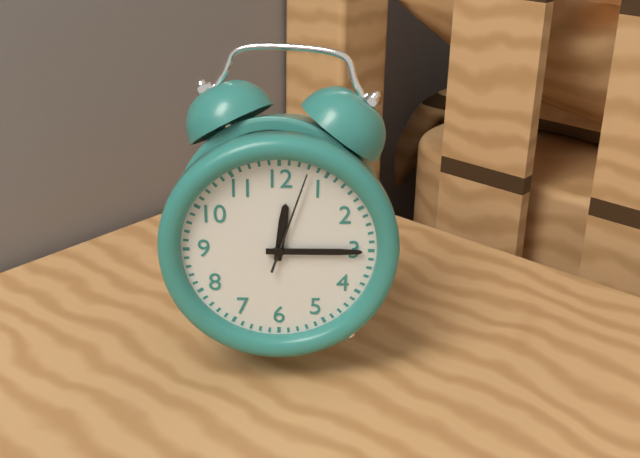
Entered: 12h15m03s
